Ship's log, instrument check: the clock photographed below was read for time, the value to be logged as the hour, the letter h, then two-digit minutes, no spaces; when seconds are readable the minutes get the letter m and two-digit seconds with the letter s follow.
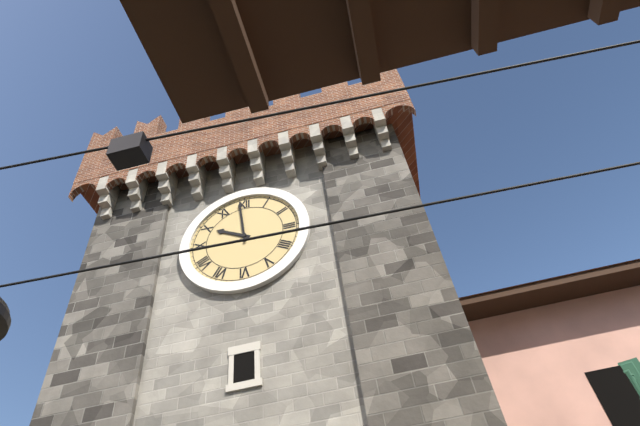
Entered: 9h59
